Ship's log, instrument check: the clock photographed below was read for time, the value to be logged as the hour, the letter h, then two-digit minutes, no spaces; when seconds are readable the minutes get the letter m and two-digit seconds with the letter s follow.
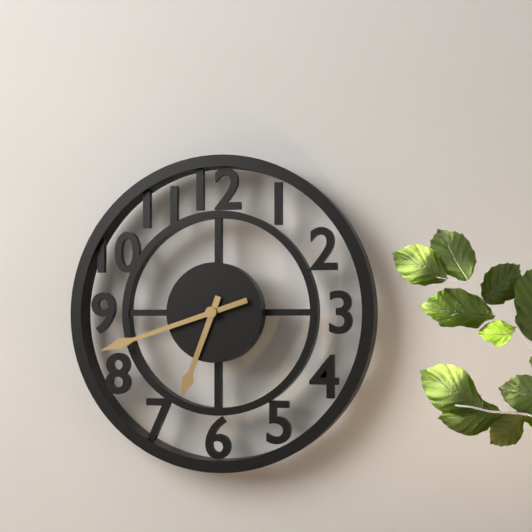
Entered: 6h42
